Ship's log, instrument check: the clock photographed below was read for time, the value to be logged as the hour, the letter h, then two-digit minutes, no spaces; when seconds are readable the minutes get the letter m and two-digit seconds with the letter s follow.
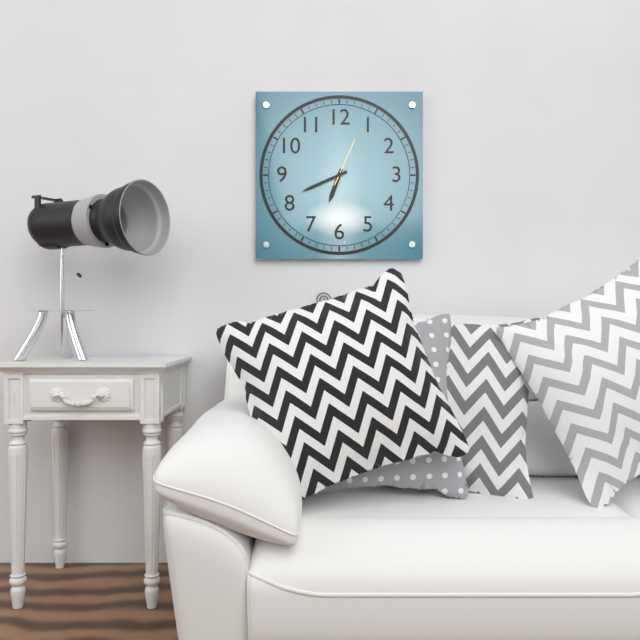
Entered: 6h41
